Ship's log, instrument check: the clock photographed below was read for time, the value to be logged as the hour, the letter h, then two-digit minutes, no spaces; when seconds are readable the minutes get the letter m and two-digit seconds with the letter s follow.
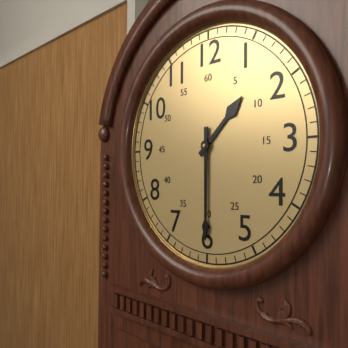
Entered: 1h30
